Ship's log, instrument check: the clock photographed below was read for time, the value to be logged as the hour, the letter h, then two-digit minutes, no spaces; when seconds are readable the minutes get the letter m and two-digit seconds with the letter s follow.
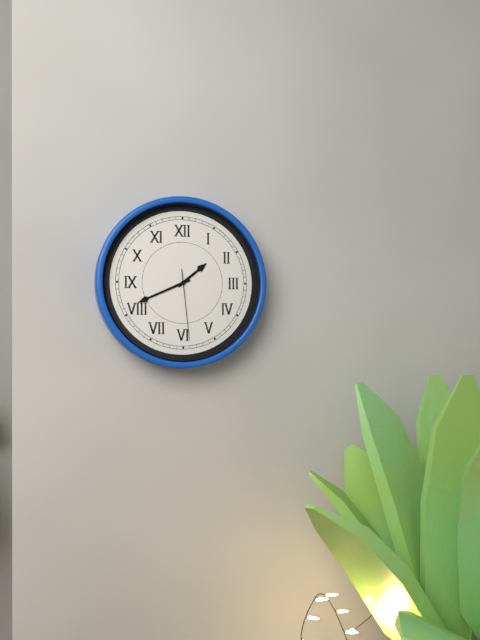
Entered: 1h41m29s
